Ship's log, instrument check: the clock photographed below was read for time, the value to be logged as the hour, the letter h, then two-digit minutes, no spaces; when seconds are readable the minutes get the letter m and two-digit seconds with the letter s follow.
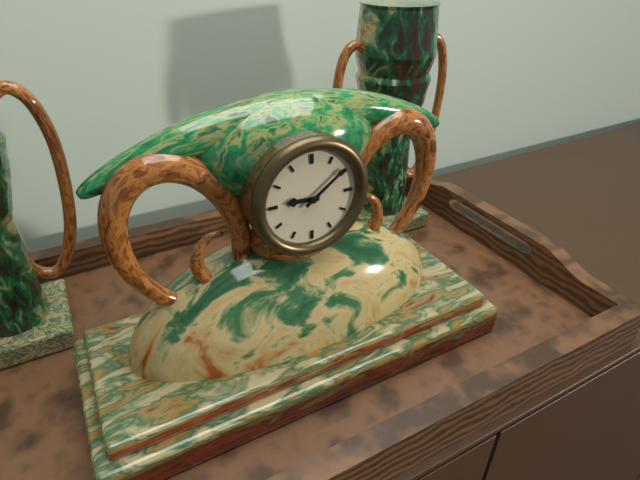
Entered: 9h09
